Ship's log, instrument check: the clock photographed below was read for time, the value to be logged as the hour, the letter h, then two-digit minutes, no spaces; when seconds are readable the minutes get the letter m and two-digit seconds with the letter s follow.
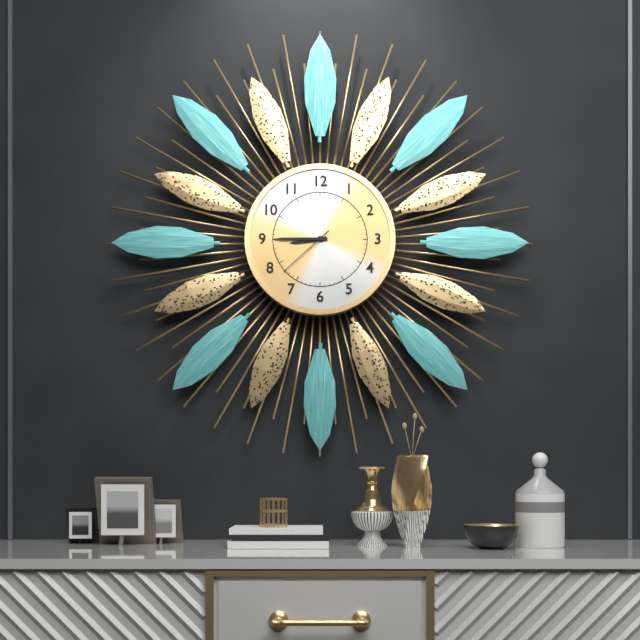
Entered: 8h45m38s
